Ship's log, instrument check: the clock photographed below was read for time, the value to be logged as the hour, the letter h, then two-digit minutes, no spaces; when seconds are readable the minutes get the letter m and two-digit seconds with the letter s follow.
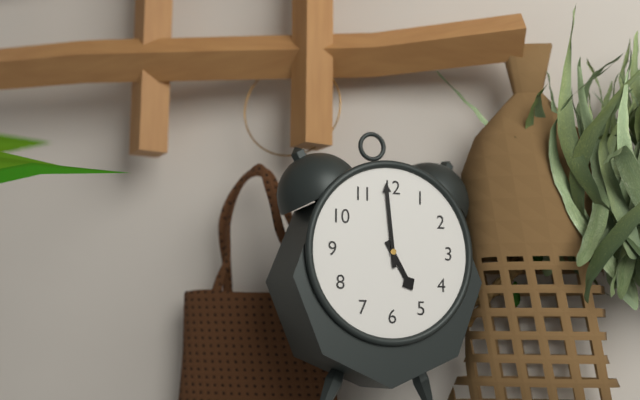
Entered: 4h59
